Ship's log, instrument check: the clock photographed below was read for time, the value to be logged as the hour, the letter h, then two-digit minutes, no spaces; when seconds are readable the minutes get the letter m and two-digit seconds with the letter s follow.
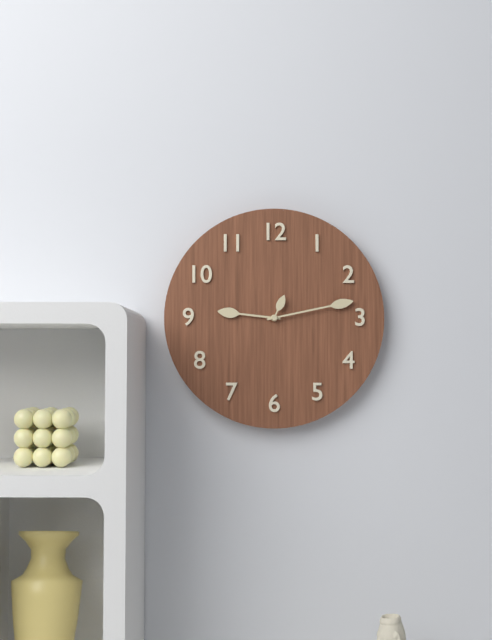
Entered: 9h13
